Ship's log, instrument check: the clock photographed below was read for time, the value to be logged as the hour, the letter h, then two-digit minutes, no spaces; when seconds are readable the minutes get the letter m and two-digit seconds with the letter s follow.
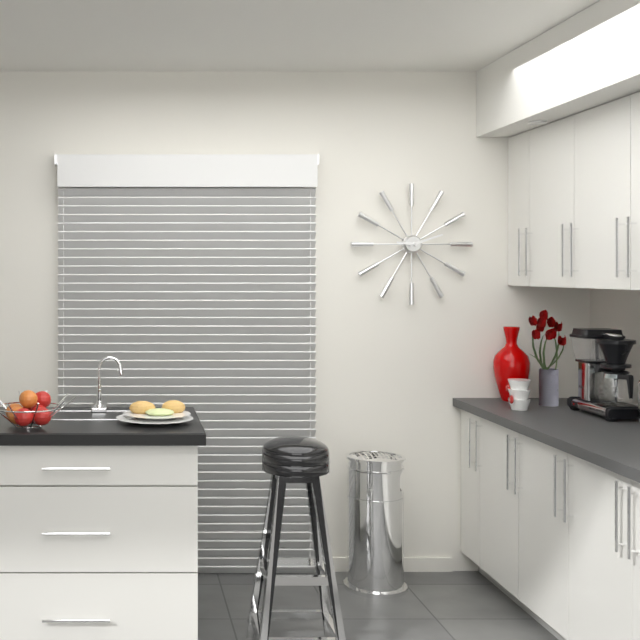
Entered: 9h12
